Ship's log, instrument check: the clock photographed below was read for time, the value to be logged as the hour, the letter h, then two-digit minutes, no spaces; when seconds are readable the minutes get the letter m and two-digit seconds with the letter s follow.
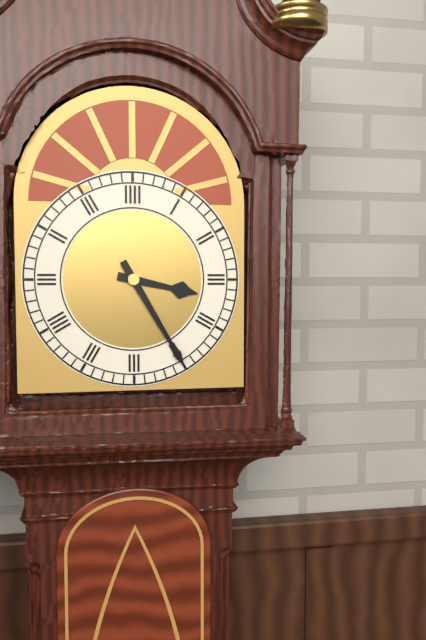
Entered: 3h25
